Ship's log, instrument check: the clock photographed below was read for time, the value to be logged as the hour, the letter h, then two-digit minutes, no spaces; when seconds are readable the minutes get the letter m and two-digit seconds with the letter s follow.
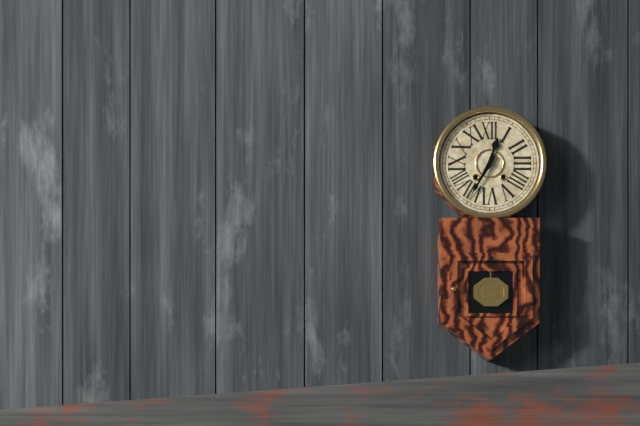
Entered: 12h35
